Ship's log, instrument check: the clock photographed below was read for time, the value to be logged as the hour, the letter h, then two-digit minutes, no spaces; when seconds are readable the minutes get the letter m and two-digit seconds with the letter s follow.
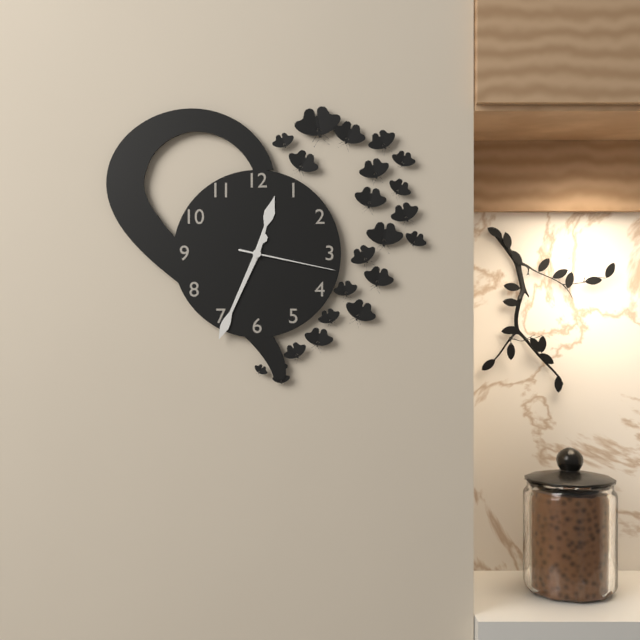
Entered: 12h34m17s
